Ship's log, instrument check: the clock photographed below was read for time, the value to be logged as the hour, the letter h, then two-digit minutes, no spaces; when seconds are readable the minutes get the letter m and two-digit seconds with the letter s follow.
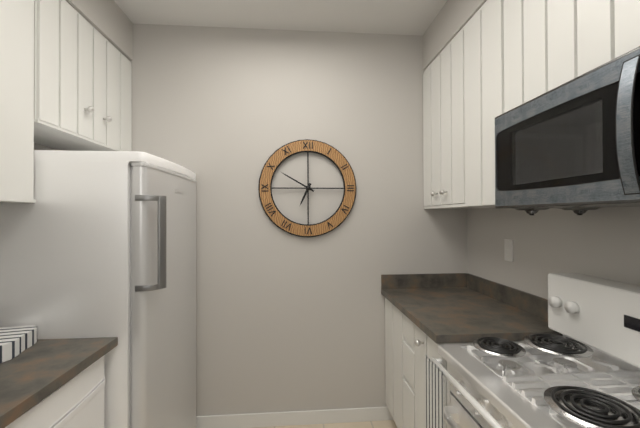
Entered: 6h50
